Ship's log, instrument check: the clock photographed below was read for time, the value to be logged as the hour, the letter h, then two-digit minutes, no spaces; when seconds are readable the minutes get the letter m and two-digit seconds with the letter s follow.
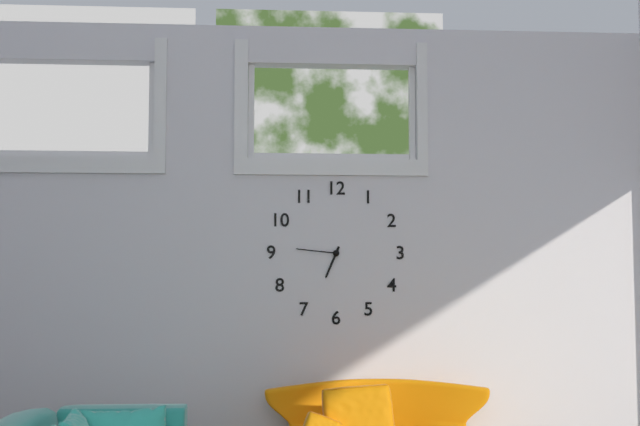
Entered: 6h46
